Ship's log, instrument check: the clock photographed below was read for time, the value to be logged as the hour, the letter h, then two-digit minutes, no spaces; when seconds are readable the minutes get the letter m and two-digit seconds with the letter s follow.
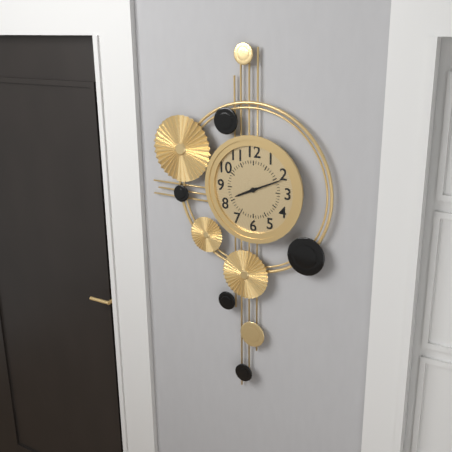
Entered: 8h11
